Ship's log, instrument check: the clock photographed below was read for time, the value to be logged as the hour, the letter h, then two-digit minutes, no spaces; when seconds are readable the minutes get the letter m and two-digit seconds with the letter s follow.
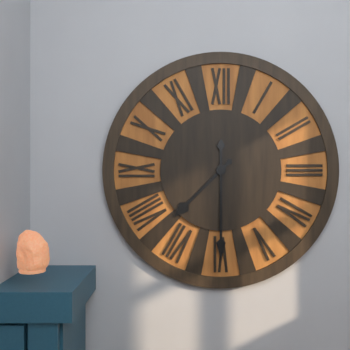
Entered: 7h30
